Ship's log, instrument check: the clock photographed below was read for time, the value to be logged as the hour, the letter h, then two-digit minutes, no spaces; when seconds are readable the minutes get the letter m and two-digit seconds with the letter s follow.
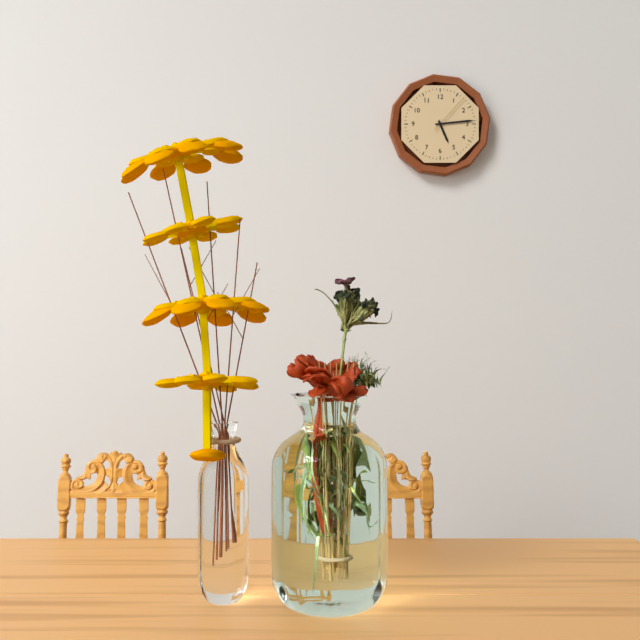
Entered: 5h14
